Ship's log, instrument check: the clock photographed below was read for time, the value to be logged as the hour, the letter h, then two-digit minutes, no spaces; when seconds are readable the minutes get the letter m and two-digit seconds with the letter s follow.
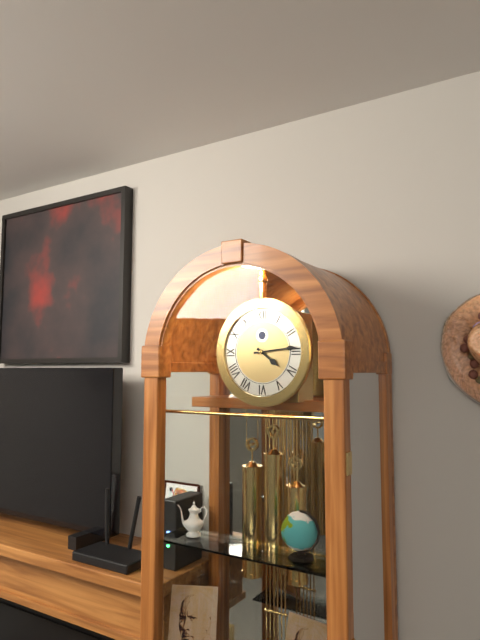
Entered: 4h14
